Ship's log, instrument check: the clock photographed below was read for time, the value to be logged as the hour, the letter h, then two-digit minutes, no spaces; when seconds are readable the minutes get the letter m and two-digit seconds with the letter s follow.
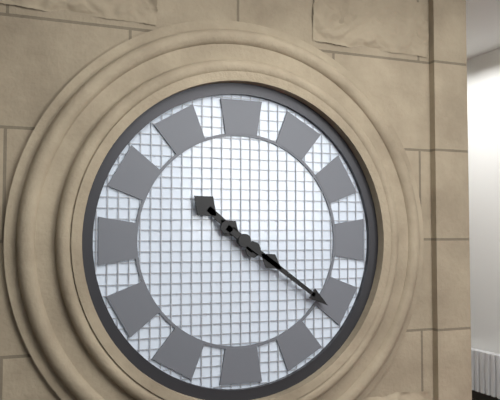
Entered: 10h21
